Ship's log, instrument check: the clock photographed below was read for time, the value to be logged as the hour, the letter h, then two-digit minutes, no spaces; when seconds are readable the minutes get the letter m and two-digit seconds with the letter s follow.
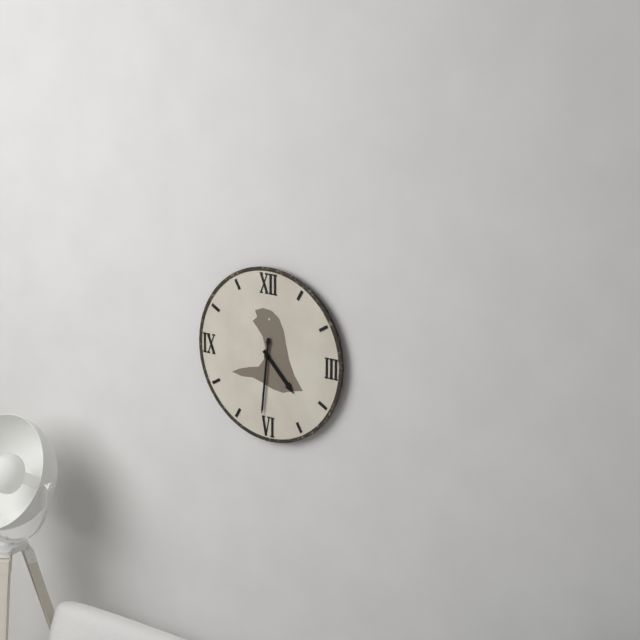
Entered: 4h31
